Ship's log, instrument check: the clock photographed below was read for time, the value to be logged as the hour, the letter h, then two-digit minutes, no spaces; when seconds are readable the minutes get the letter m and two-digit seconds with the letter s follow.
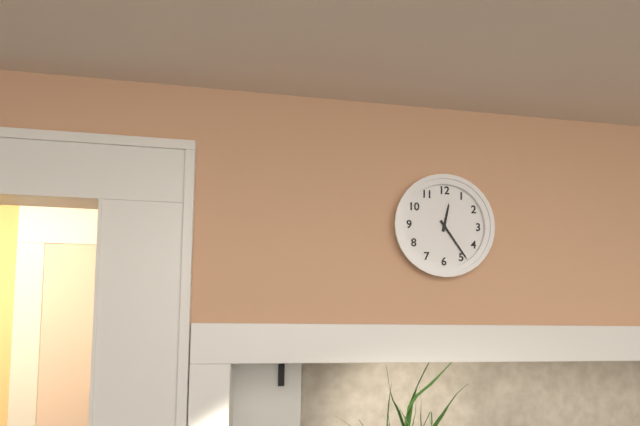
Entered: 12h24
